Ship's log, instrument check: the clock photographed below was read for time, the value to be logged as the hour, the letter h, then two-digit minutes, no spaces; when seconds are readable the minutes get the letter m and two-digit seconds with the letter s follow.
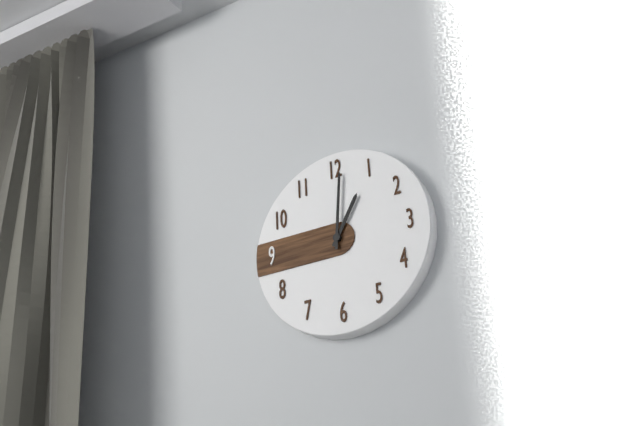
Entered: 1h01
